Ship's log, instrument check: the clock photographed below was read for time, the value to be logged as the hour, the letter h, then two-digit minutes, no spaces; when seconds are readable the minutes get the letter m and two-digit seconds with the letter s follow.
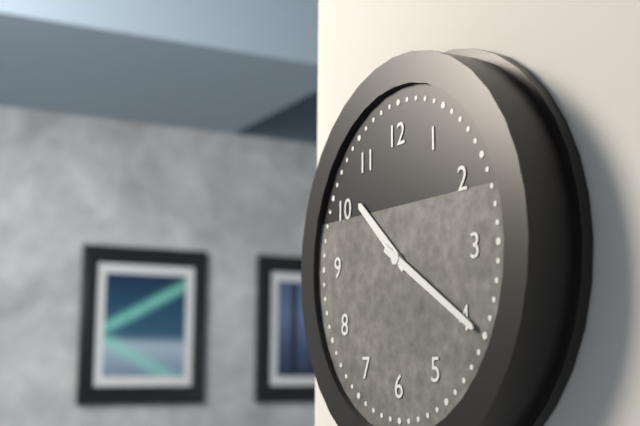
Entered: 10h20
